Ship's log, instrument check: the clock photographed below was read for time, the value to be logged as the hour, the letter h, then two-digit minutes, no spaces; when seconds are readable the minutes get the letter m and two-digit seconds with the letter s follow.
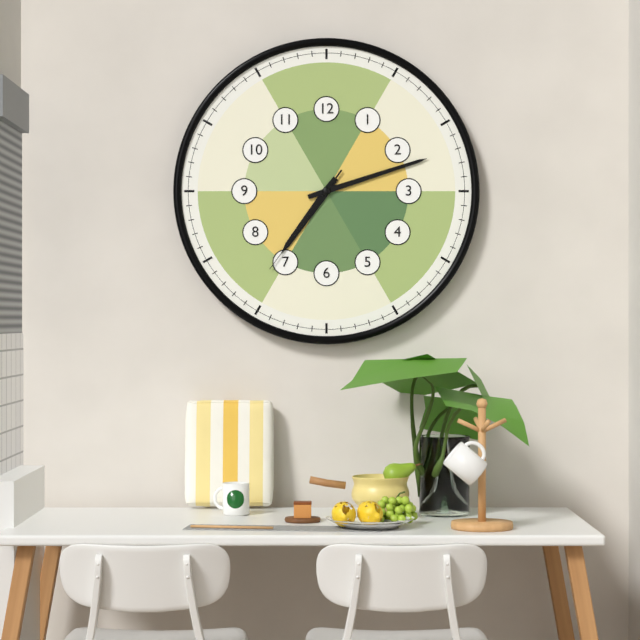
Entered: 7h12m36s
